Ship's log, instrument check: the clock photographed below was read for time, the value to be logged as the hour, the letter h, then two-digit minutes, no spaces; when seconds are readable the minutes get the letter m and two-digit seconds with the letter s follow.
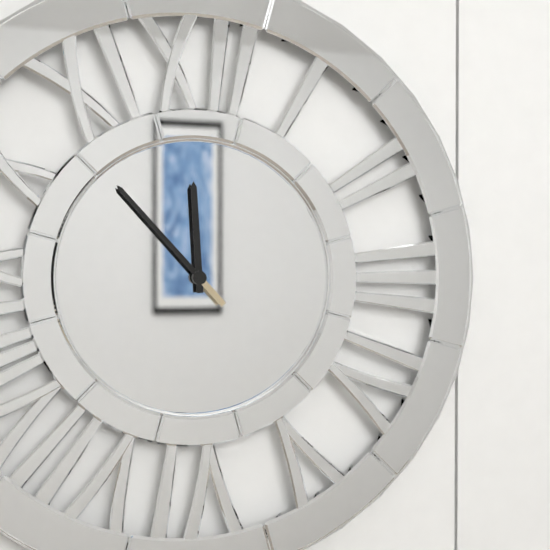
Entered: 11h53
